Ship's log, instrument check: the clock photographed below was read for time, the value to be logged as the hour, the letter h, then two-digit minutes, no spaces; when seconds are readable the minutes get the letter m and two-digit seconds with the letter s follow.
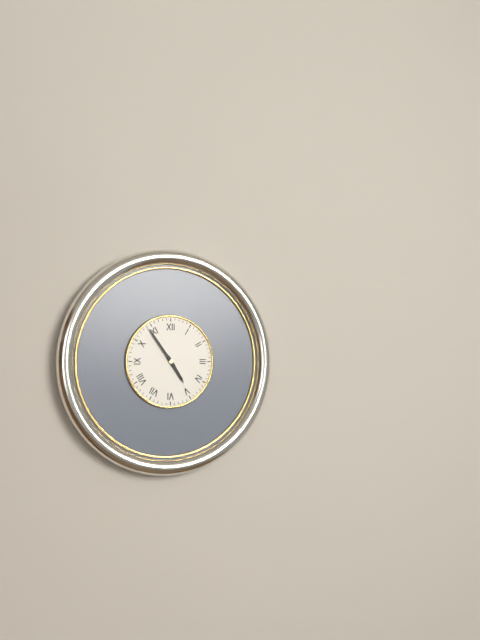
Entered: 4h54
